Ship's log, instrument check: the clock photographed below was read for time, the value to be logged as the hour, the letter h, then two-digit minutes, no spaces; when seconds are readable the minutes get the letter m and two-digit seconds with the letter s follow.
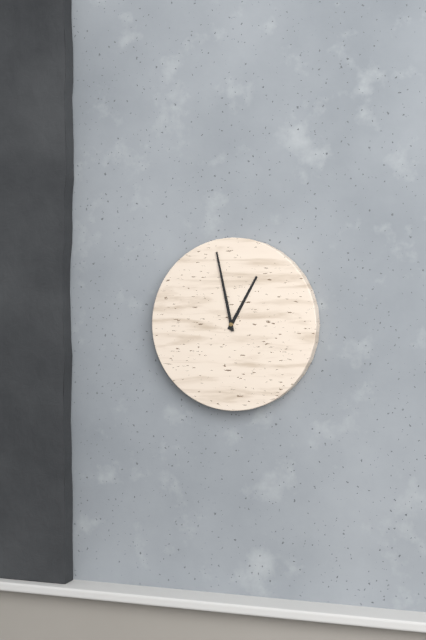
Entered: 12h58
